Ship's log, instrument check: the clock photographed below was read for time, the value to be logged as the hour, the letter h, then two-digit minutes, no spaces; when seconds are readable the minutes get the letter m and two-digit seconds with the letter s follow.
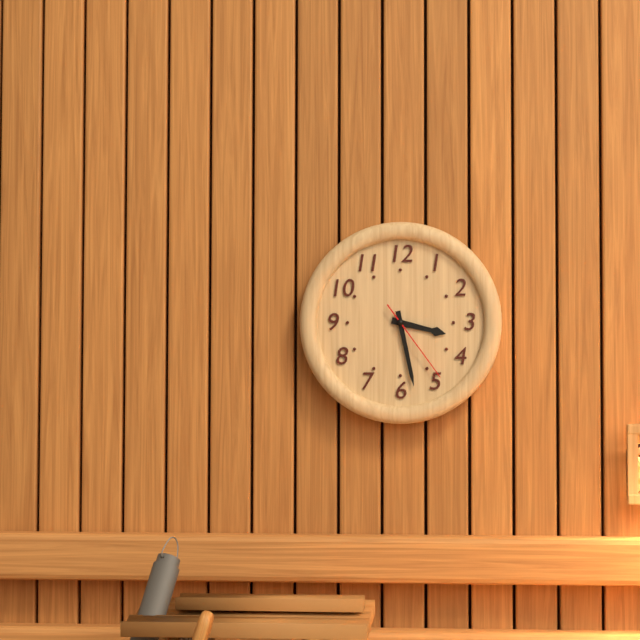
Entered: 3h28m24s
